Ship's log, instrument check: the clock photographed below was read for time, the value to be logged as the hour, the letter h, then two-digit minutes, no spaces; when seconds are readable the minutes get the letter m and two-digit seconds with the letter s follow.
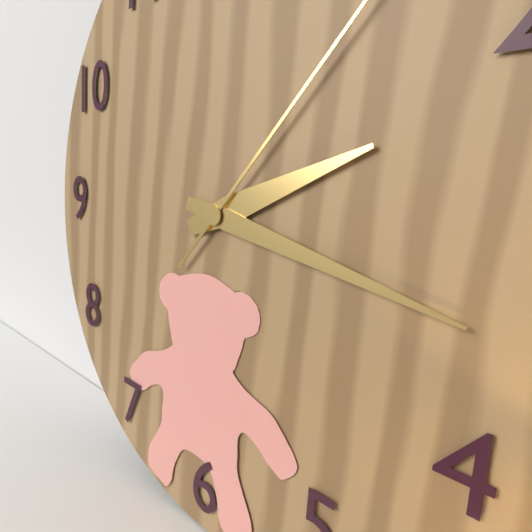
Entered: 2h17
